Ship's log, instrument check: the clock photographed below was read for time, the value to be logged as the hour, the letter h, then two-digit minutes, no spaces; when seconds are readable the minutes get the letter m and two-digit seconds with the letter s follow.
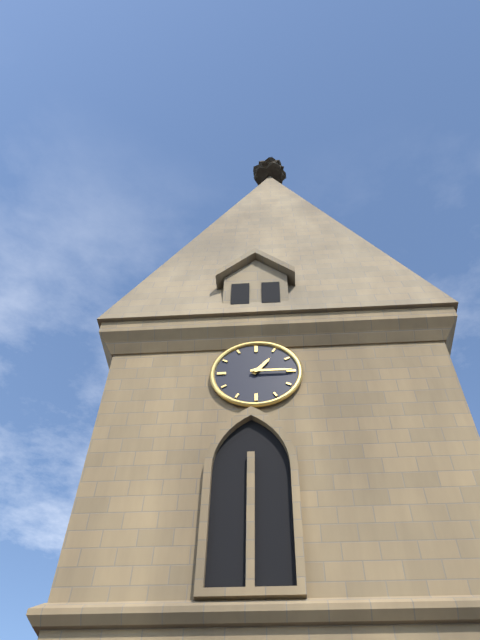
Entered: 1h15
